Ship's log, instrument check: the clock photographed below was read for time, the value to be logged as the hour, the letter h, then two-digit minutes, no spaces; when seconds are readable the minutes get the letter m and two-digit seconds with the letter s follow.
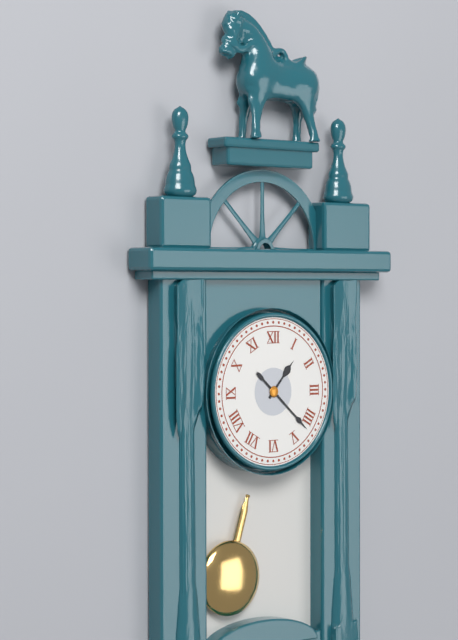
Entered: 1h22
